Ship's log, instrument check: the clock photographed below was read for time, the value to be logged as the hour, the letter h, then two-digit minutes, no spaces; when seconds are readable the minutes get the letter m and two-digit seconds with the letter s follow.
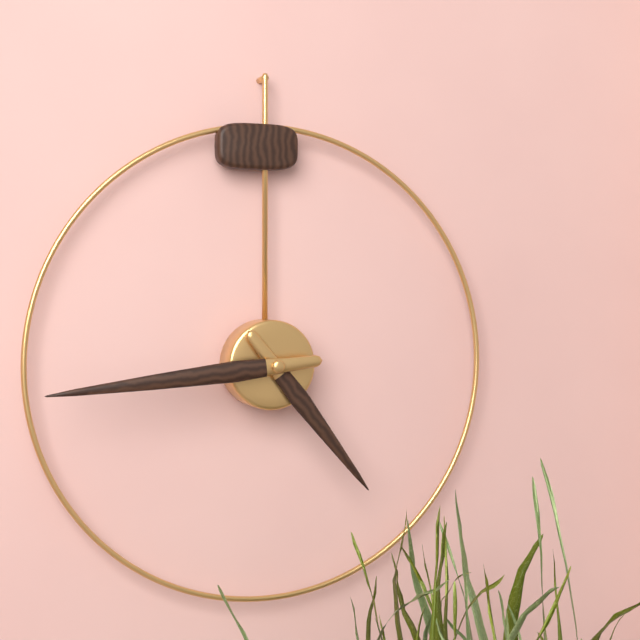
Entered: 4h44
